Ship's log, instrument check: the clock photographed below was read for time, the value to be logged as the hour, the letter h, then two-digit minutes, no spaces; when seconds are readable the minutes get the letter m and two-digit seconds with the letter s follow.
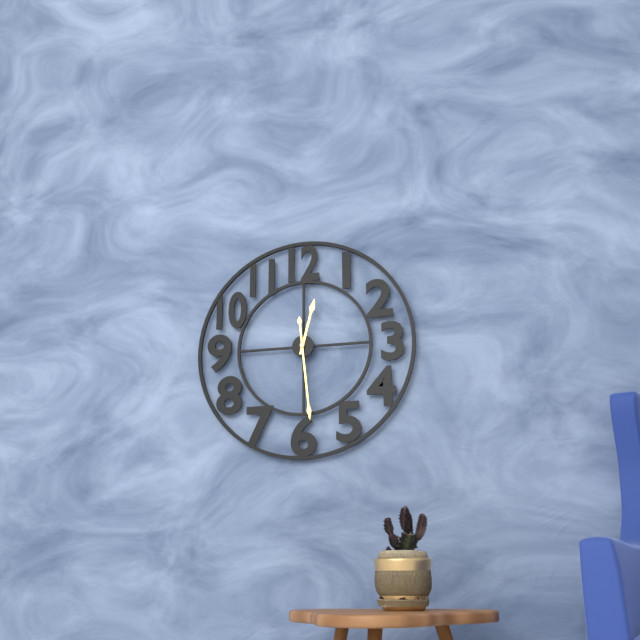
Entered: 12h29
